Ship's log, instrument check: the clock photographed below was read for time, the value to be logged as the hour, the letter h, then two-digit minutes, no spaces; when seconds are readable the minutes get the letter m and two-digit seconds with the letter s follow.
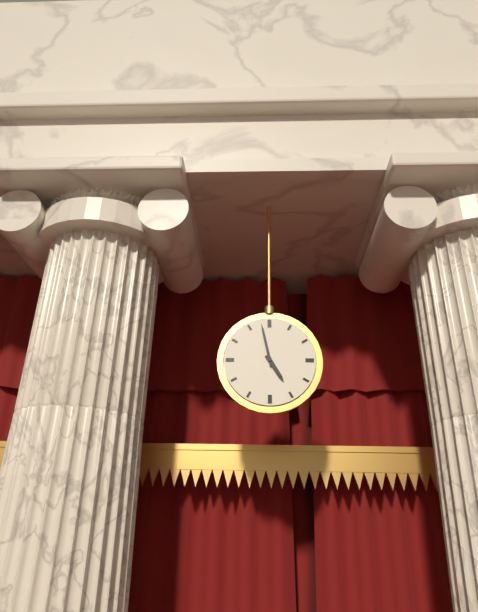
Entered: 4h58
